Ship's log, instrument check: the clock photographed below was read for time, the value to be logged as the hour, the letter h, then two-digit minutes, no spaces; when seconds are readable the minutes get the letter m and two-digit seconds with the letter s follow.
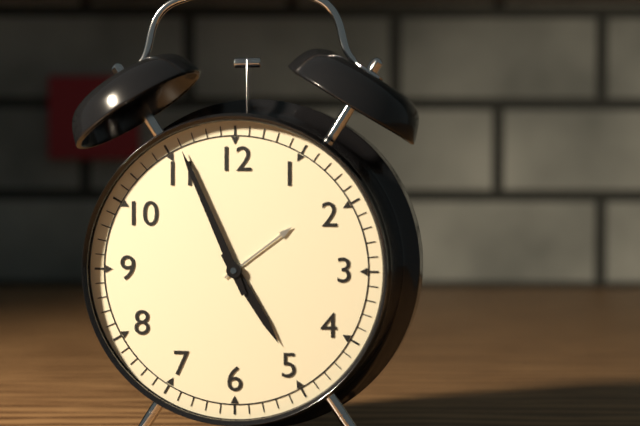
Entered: 4h56
